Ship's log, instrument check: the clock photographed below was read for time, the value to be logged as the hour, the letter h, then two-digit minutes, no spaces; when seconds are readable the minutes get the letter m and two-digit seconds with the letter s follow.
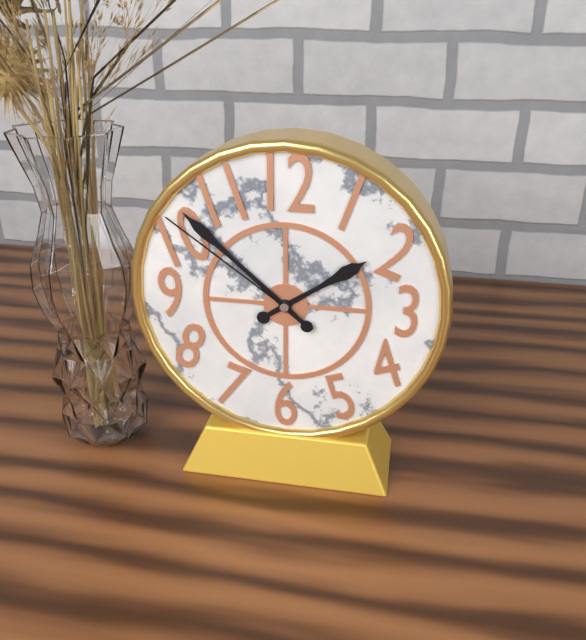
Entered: 1h52m51s
